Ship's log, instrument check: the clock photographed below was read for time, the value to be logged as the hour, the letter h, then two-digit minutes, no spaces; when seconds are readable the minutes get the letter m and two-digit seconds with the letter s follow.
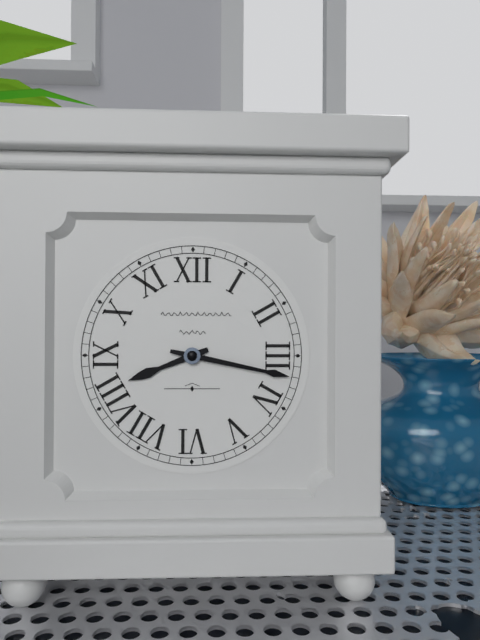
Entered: 8h17
